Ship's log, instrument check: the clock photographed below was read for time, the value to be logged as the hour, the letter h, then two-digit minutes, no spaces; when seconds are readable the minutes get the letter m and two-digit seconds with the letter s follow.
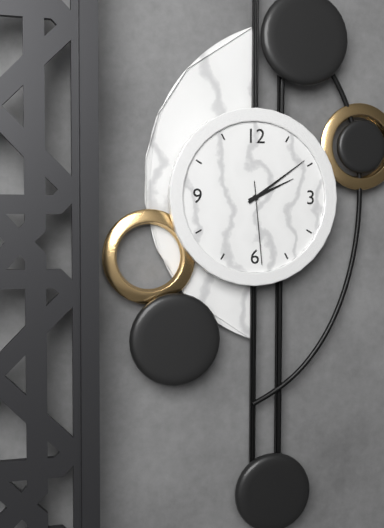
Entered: 2h09m29s
